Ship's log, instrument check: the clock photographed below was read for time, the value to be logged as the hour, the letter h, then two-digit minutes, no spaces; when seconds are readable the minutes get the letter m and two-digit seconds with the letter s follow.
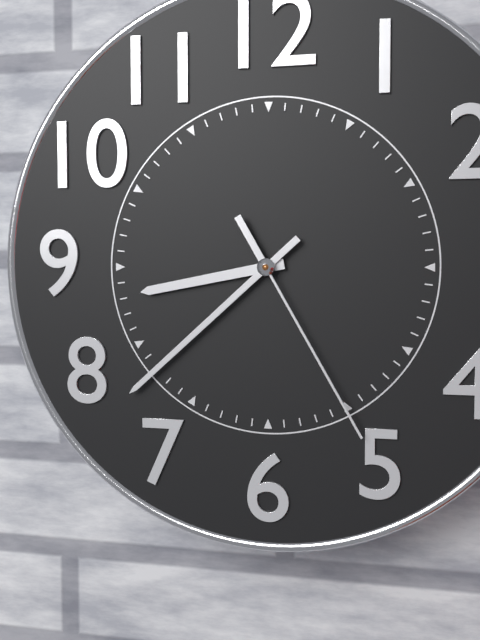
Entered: 8h38m25s
